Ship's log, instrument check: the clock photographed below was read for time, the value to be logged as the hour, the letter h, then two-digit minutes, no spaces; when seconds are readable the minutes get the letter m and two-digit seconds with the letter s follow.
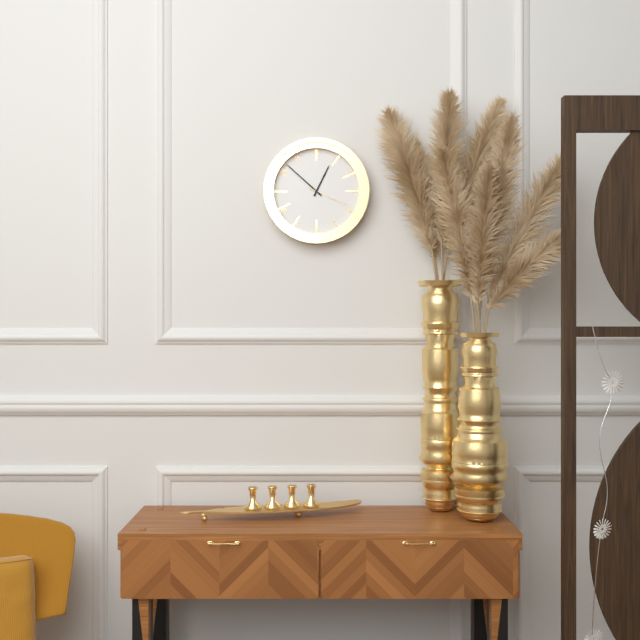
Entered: 12h52
